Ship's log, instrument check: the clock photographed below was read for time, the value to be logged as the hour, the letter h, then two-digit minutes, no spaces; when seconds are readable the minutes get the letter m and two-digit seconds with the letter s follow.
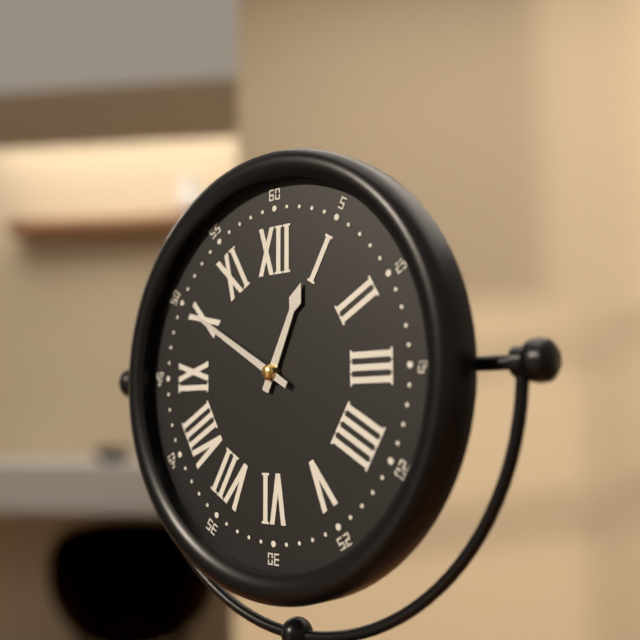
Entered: 12h50
